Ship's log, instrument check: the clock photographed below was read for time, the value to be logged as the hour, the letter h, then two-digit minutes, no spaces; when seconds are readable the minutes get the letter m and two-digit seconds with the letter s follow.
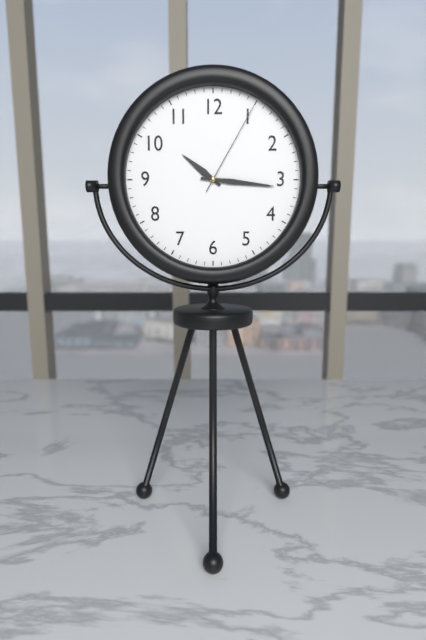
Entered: 10h16m05s
